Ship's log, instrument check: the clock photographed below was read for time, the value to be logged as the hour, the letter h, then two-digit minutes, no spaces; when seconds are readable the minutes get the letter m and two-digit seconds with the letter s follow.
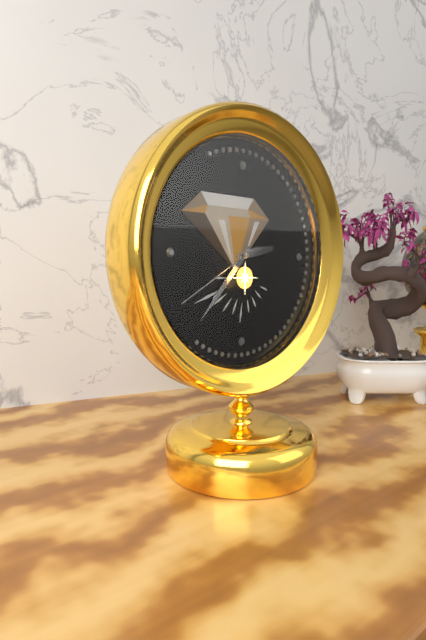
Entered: 2h37m40s
